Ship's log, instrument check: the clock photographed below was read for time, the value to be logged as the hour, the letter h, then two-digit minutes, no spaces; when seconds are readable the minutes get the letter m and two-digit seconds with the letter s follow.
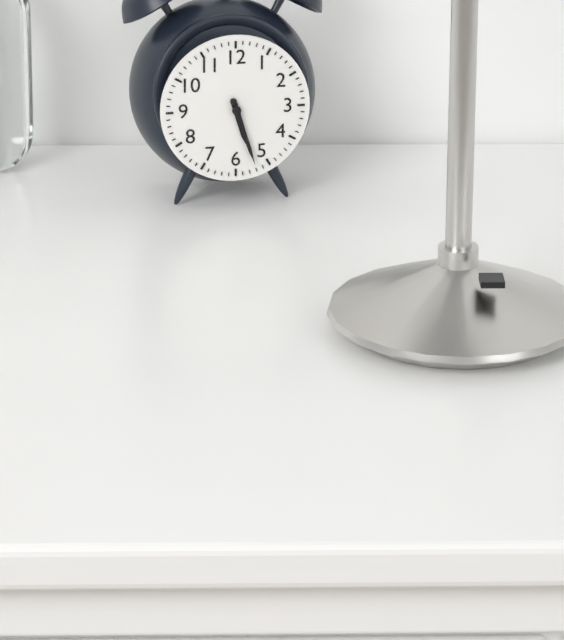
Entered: 5h27
